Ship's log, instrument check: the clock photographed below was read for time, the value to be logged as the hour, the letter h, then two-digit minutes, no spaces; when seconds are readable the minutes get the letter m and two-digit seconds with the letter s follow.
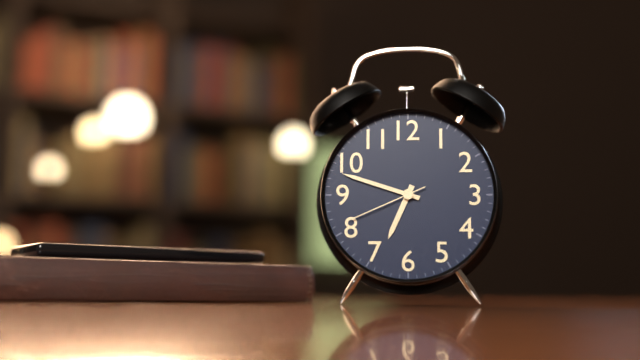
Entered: 6h48m41s
